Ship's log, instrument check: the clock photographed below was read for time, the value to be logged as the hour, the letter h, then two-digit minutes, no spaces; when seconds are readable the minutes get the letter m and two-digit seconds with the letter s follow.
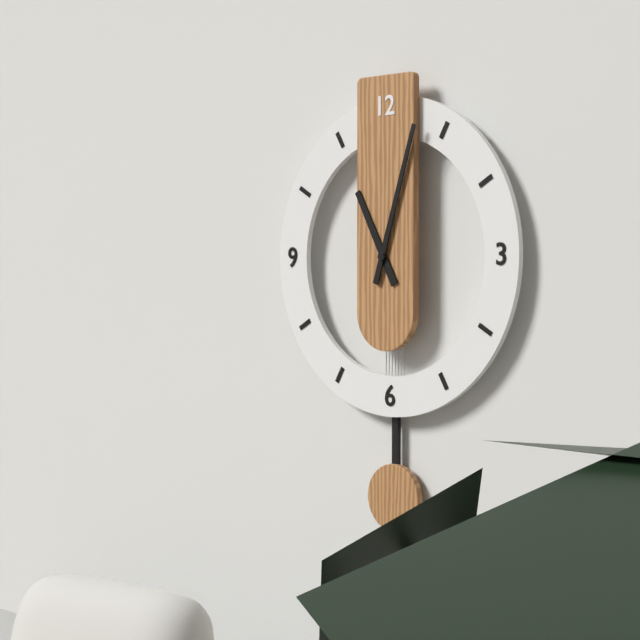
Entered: 11h03
